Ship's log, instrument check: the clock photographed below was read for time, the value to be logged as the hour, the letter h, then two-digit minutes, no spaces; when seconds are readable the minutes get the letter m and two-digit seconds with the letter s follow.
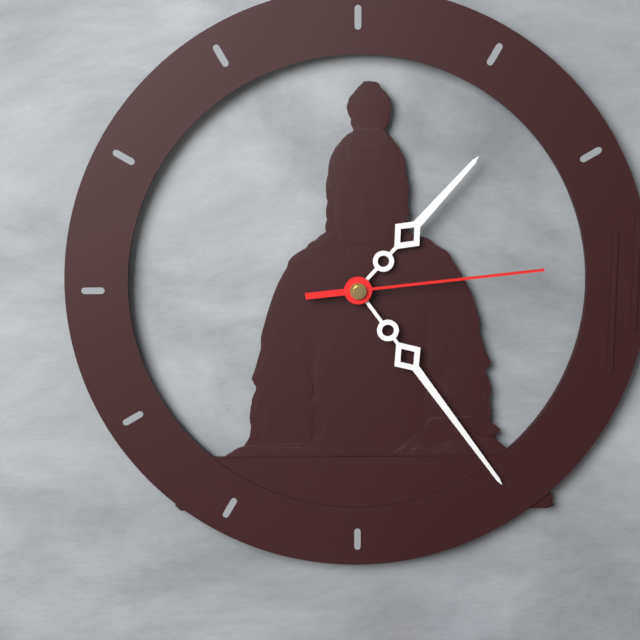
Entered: 1h24m14s
